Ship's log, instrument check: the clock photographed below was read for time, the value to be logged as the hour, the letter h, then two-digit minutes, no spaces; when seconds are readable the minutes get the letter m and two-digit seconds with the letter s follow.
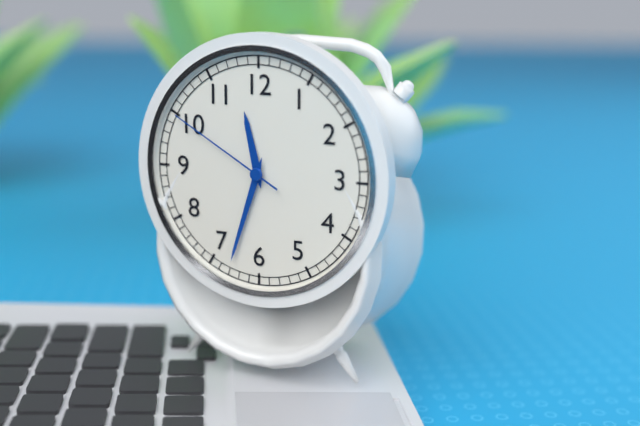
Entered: 11h33m50s
